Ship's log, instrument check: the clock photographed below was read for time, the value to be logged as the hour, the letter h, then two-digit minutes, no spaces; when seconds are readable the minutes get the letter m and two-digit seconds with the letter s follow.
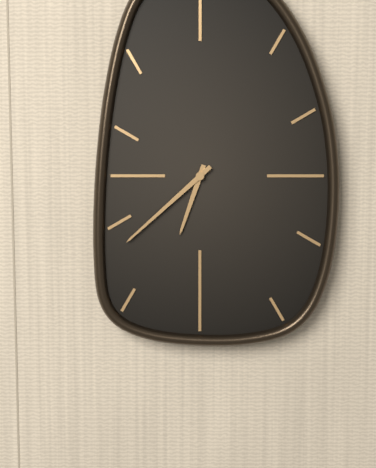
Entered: 6h38
